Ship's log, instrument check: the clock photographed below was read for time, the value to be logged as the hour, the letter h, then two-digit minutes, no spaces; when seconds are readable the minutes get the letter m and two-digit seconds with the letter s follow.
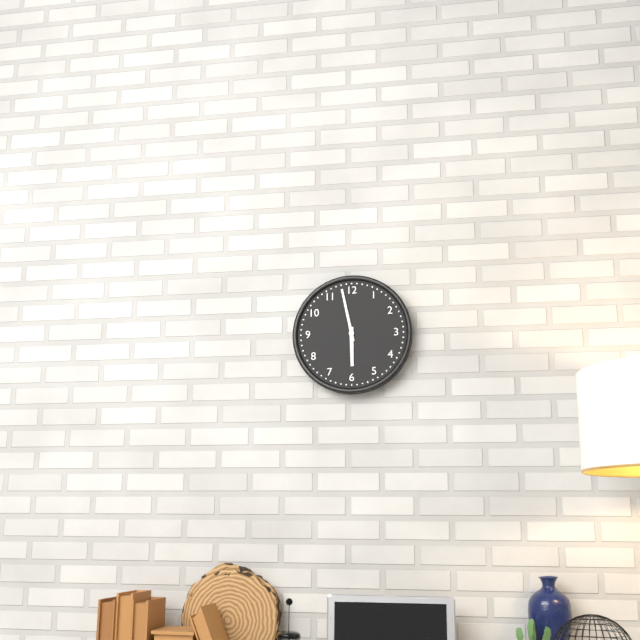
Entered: 5h58
